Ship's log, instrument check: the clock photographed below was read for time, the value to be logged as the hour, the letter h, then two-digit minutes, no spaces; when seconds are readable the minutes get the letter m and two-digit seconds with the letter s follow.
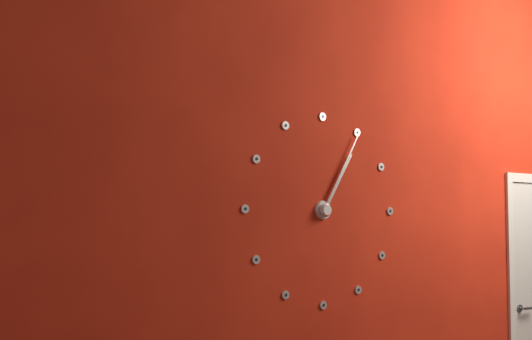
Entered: 1h05
